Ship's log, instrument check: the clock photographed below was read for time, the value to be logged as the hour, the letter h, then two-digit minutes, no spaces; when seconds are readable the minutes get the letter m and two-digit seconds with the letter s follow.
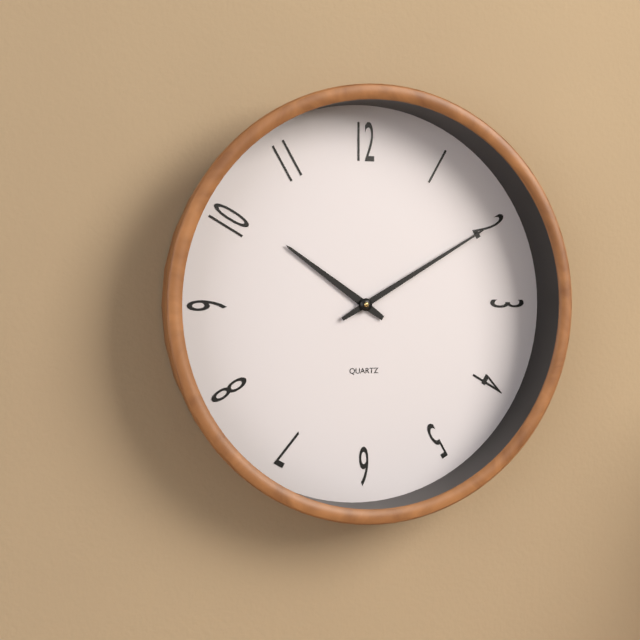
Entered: 10h10
